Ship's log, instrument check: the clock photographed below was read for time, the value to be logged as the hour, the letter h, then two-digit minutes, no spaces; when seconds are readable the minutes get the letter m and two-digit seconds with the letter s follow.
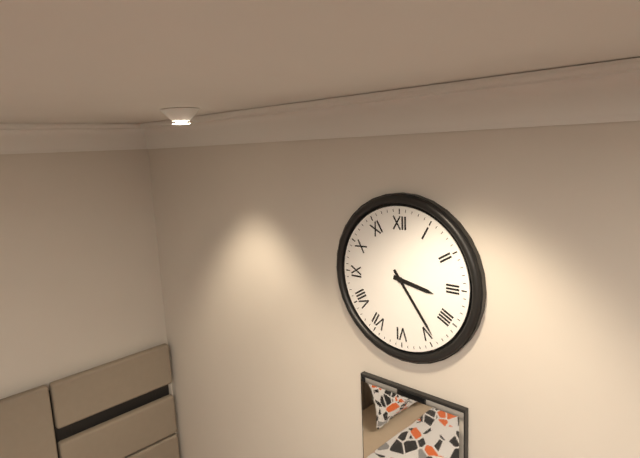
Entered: 3h24
